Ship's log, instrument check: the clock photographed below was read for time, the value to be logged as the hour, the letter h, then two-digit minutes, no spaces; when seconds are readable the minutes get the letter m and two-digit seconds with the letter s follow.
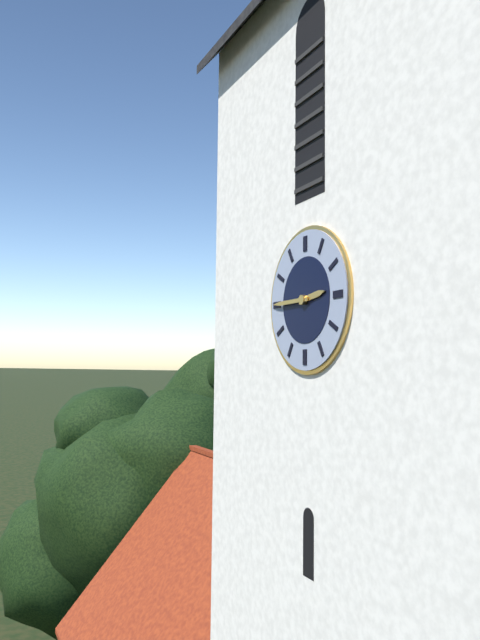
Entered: 2h45
